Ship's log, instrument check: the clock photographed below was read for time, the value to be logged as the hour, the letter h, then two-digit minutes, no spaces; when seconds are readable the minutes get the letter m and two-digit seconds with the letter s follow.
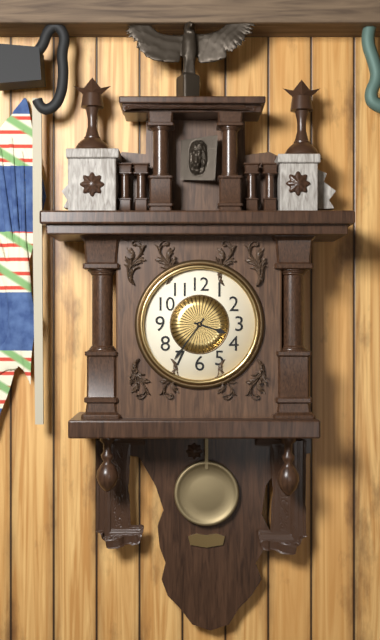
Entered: 3h36
